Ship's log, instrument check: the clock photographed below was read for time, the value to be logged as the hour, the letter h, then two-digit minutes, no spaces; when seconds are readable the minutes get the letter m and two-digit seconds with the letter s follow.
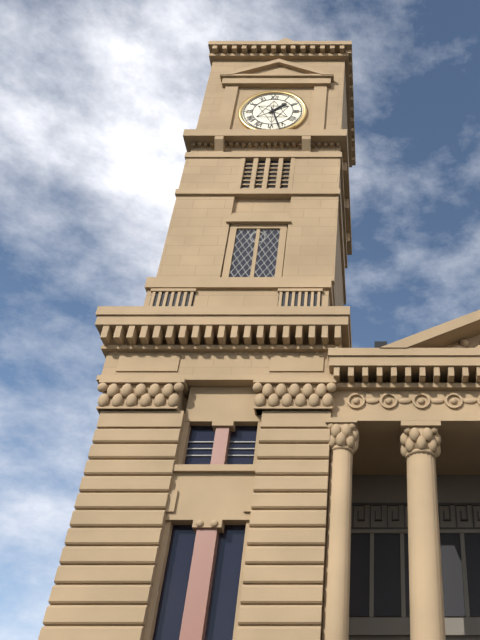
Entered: 1h27
